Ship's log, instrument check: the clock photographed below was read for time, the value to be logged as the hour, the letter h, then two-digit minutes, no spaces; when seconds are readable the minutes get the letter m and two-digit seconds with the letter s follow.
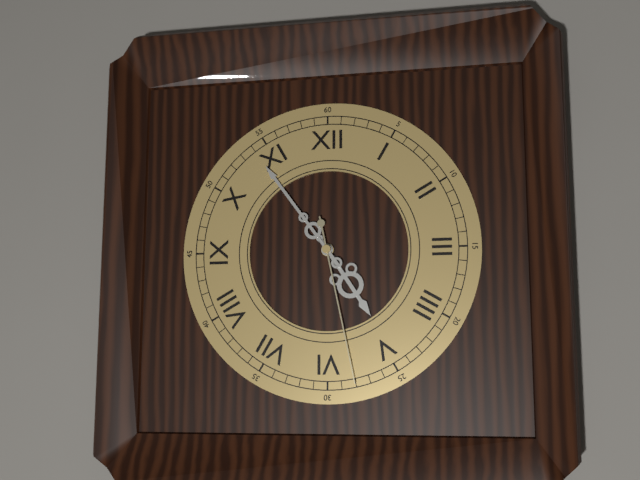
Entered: 4h54m28s
